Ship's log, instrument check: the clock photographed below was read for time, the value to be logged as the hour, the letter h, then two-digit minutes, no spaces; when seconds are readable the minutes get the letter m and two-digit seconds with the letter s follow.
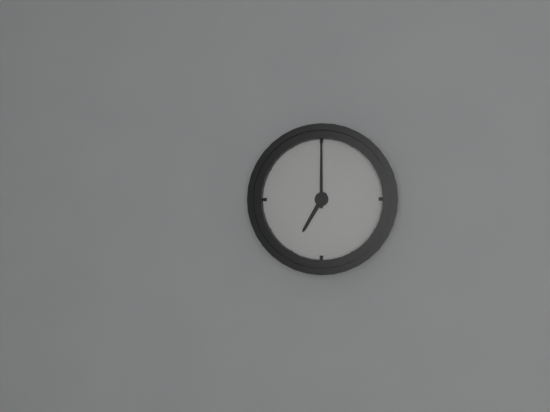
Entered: 7h00
